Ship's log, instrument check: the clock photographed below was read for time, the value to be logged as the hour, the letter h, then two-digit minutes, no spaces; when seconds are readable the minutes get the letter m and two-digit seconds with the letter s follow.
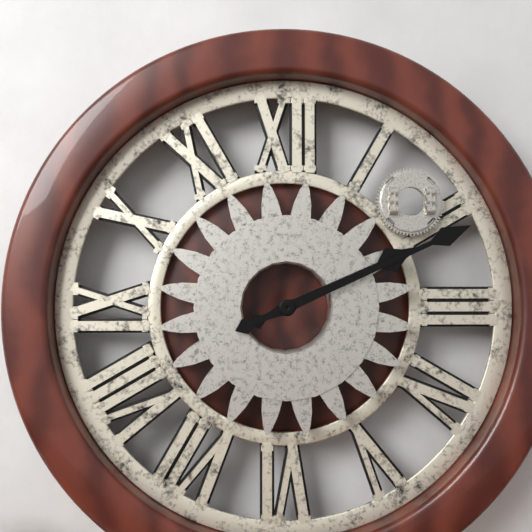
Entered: 2h11
